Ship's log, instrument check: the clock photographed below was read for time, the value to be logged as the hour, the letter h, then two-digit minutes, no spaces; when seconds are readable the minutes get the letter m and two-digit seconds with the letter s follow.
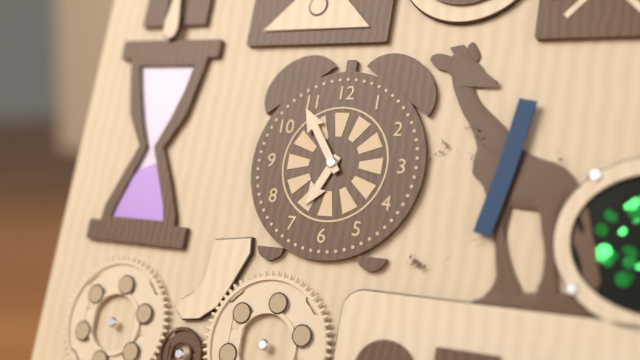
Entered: 6h54
